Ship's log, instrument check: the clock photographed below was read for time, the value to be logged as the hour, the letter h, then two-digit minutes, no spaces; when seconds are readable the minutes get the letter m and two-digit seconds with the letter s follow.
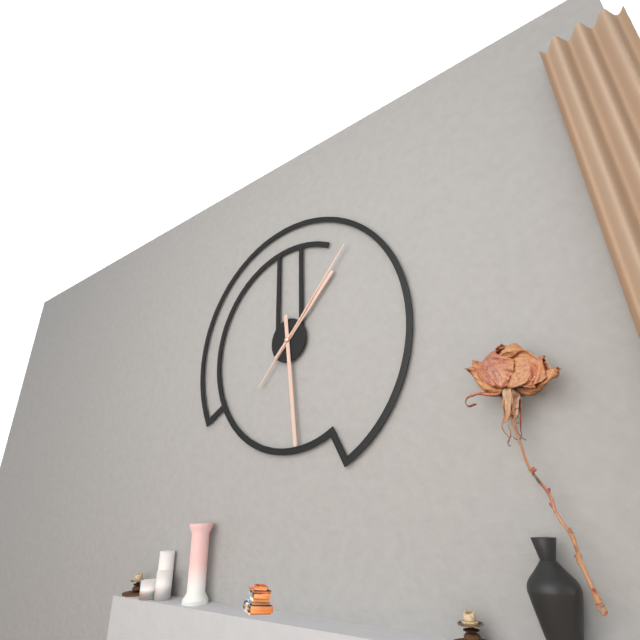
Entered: 1h29m07s
